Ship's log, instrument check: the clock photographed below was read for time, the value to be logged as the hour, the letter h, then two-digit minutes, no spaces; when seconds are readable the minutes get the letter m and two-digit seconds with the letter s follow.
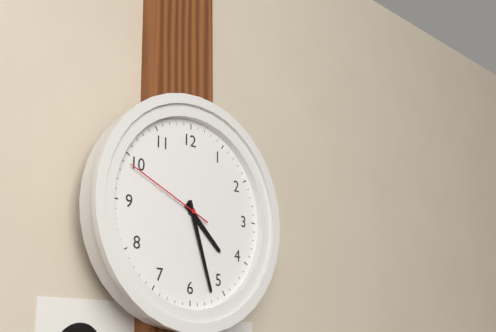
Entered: 4h27m49s
